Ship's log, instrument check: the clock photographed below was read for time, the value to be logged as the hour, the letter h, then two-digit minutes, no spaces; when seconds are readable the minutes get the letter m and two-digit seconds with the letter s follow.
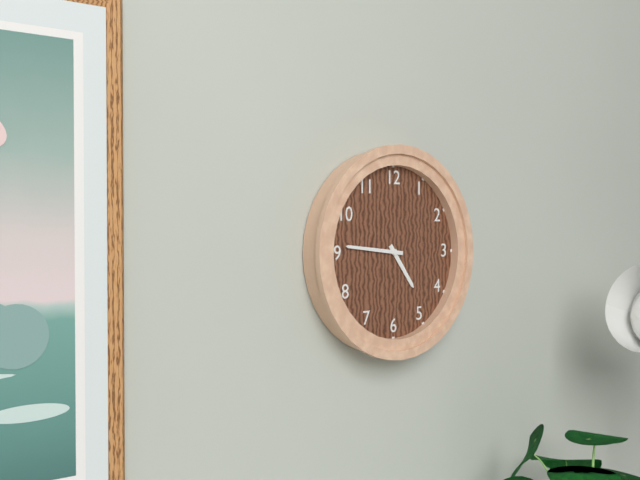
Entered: 4h46
